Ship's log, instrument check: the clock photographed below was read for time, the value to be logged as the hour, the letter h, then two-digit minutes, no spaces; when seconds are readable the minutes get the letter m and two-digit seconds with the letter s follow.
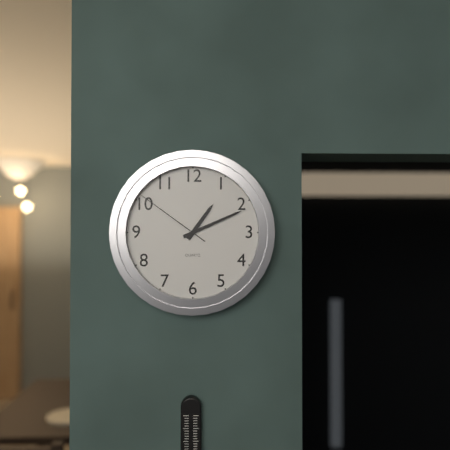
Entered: 1h11m51s
